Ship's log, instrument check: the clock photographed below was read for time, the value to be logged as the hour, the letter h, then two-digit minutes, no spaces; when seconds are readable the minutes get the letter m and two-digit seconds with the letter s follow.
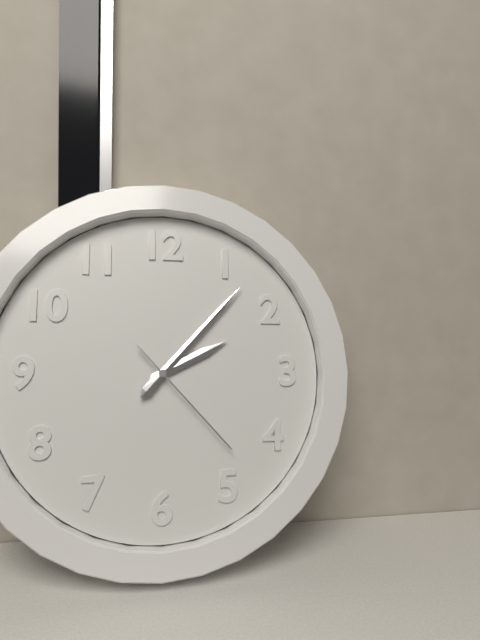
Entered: 2h07m23s
